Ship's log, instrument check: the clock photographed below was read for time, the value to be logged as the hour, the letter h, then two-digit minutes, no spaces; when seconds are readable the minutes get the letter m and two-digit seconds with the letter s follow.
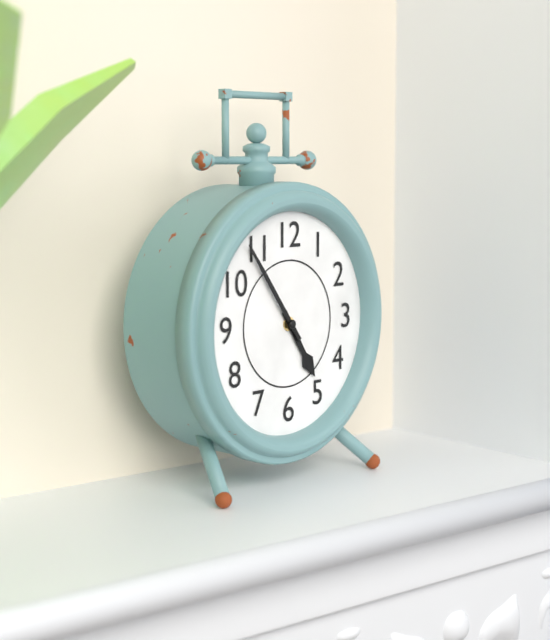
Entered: 4h54
